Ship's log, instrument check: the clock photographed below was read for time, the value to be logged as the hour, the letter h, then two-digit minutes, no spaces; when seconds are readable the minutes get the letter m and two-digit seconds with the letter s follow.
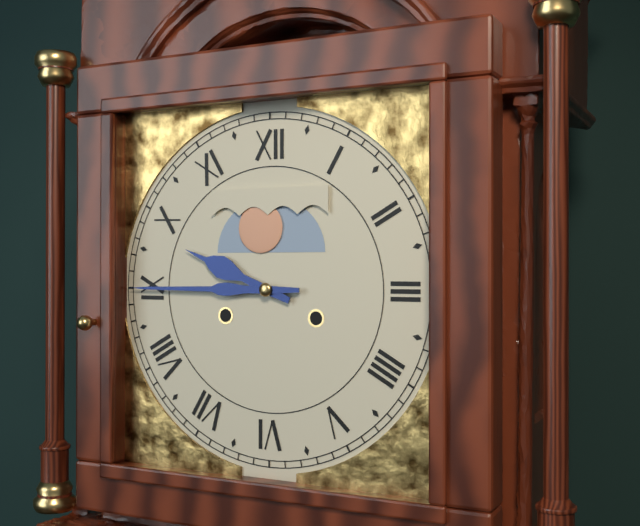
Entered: 9h45
